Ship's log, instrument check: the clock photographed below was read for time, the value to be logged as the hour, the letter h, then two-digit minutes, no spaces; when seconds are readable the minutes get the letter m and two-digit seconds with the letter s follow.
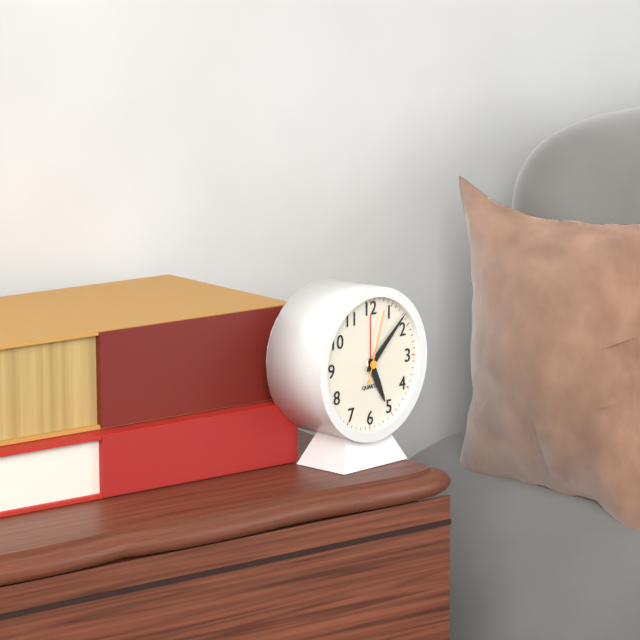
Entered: 5h08m03s
